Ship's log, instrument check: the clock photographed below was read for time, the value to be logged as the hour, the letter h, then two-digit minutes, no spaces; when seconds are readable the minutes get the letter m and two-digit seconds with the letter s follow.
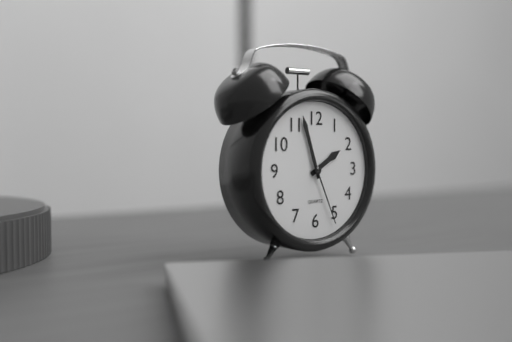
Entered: 1h57m26s
